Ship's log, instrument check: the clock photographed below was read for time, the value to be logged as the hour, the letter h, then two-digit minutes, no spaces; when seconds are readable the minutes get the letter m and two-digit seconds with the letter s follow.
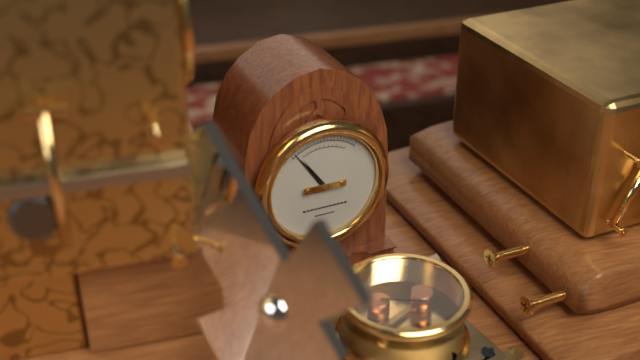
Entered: 10h54
